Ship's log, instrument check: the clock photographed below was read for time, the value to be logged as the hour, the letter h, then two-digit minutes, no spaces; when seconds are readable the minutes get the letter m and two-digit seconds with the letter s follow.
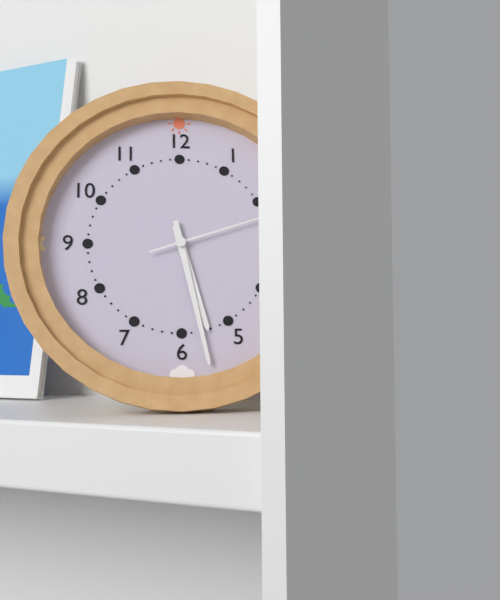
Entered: 5h28
